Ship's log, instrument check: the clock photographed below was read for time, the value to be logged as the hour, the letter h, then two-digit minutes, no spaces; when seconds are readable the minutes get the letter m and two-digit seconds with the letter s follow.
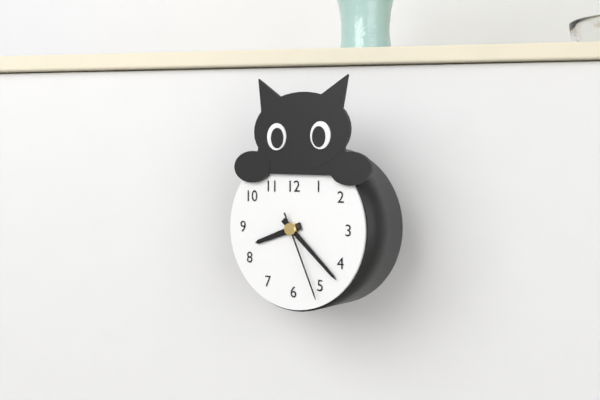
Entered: 8h22m26s
